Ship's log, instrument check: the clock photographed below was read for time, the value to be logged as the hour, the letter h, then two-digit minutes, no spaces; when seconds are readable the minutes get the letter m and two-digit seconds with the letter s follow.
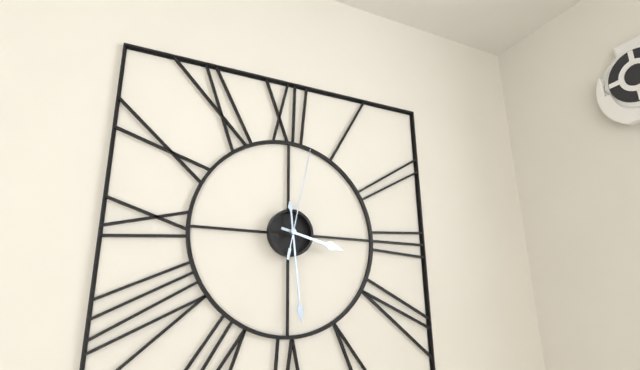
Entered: 3h29m02s
